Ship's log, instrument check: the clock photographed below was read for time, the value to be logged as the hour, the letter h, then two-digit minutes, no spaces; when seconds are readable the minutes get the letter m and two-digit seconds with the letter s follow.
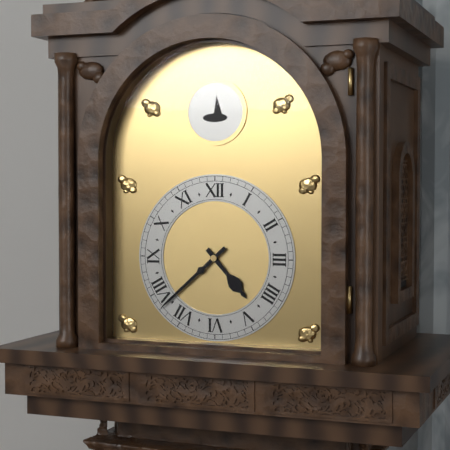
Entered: 4h38
